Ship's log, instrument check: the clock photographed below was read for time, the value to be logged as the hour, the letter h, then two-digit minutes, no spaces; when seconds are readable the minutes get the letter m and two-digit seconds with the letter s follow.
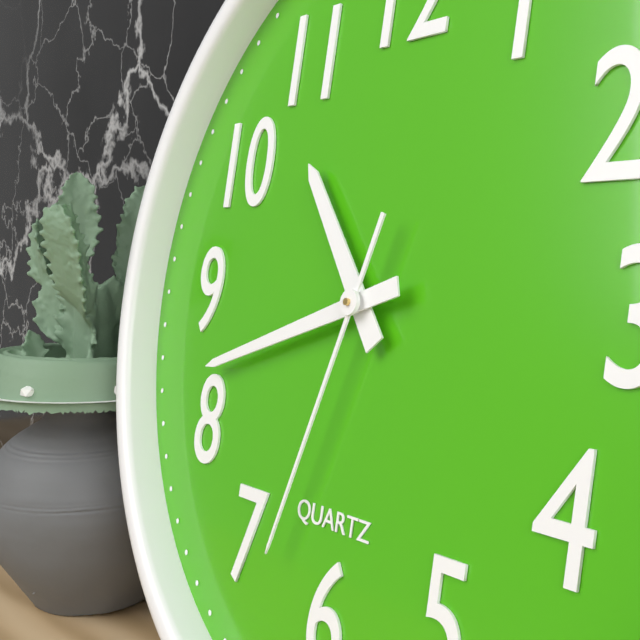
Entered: 10h42m33s
